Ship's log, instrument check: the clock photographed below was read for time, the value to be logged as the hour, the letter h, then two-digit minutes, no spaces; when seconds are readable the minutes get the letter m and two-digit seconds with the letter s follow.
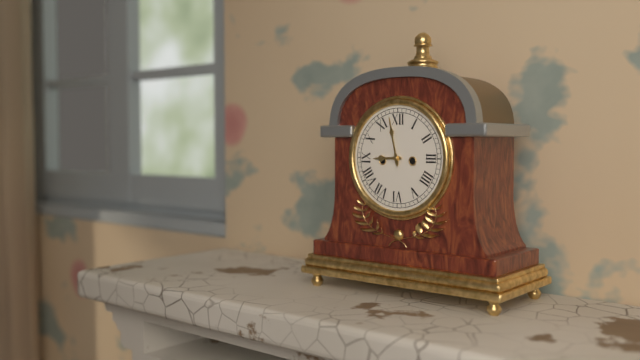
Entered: 8h58
